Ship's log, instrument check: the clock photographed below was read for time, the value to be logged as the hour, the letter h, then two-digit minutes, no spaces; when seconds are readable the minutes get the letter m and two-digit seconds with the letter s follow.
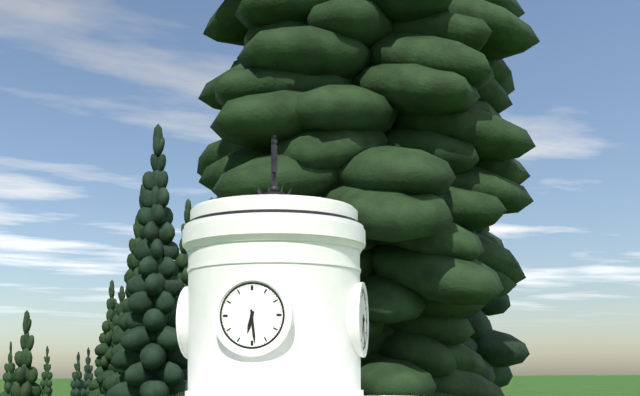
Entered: 6h29
